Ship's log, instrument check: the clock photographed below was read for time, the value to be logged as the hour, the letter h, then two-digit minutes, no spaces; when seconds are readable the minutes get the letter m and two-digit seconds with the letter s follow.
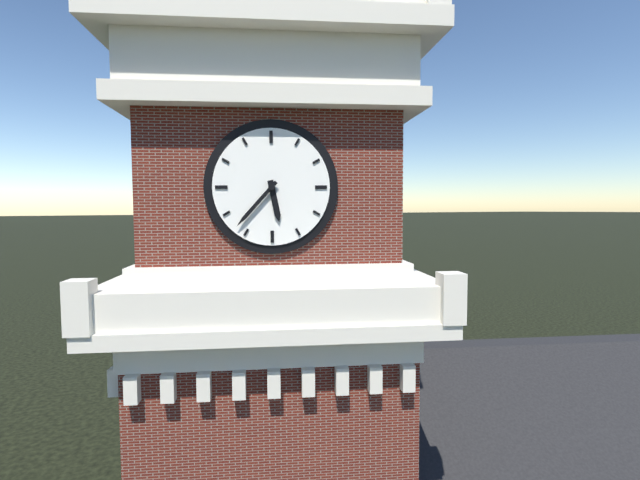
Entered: 5h37
